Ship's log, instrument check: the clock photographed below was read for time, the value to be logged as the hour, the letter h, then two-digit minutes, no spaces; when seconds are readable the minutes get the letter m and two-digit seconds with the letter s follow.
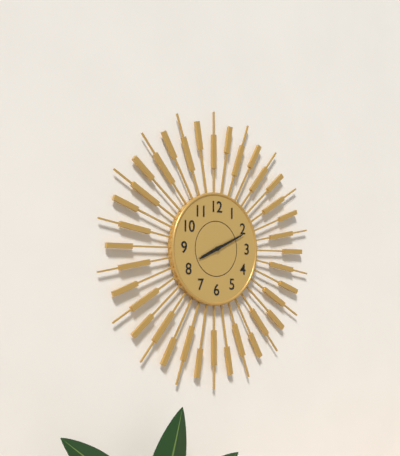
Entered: 8h11
